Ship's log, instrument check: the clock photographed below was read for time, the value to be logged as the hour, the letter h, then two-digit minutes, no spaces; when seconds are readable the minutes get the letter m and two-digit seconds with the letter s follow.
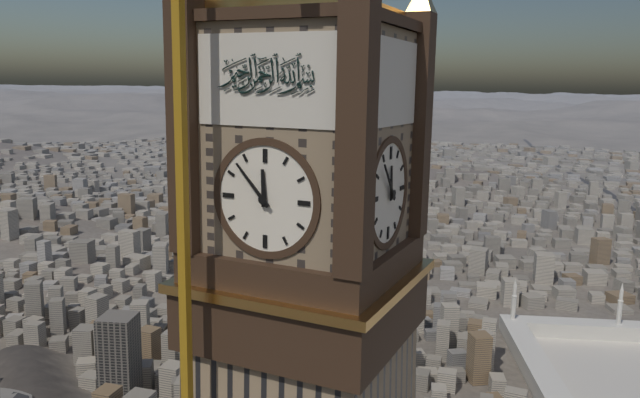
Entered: 11h53
